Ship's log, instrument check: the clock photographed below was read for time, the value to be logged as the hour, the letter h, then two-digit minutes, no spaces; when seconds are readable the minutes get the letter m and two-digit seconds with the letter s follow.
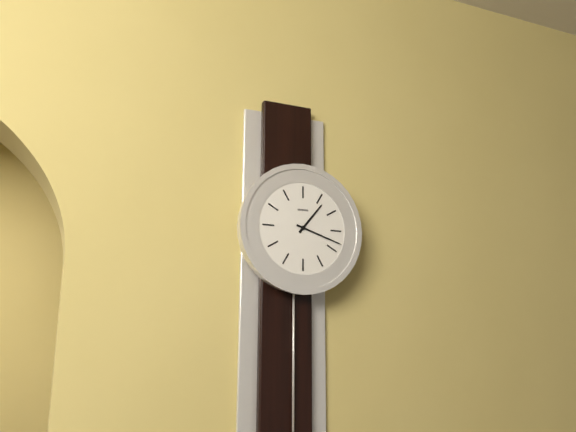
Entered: 1h18
